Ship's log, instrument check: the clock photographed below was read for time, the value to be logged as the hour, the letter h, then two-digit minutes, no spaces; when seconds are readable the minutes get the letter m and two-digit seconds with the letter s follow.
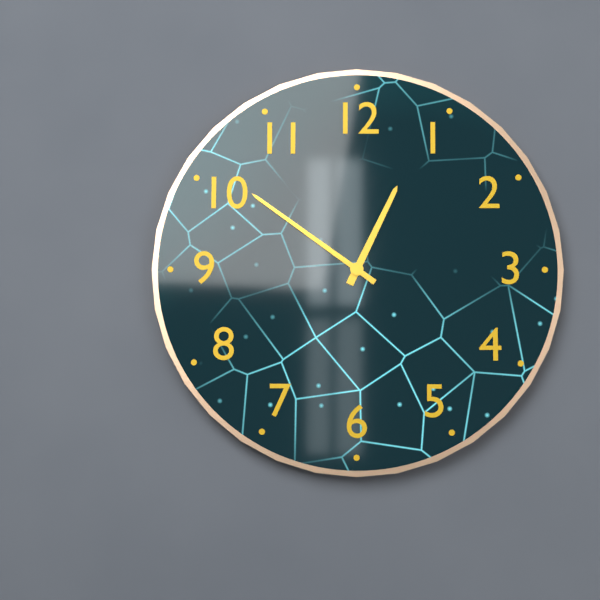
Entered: 12h51
